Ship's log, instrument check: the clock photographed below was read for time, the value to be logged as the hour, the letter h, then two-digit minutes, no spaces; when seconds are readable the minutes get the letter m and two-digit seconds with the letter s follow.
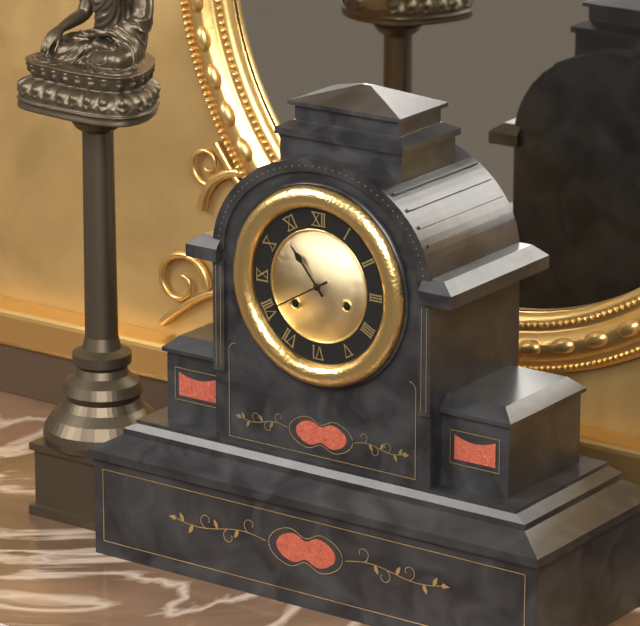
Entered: 10h40
